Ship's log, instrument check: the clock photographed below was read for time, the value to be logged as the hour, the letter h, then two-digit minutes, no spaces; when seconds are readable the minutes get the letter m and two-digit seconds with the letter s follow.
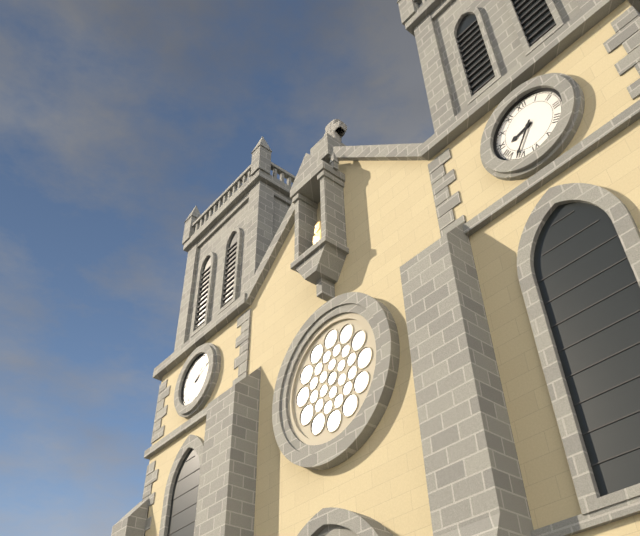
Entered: 8h36
